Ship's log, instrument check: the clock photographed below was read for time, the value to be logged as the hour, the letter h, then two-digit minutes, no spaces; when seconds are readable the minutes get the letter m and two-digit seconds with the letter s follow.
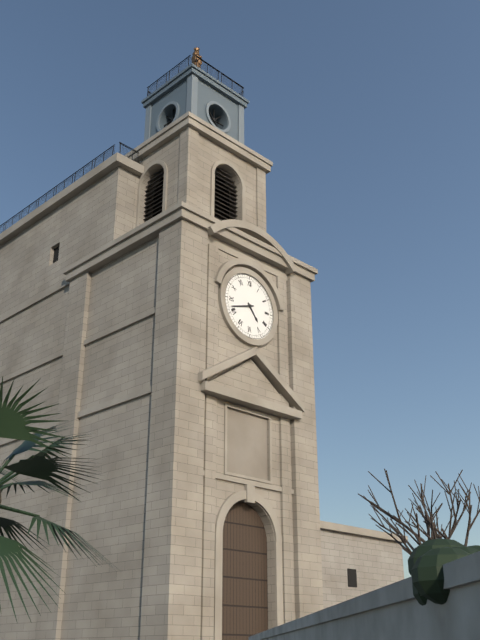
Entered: 4h42
